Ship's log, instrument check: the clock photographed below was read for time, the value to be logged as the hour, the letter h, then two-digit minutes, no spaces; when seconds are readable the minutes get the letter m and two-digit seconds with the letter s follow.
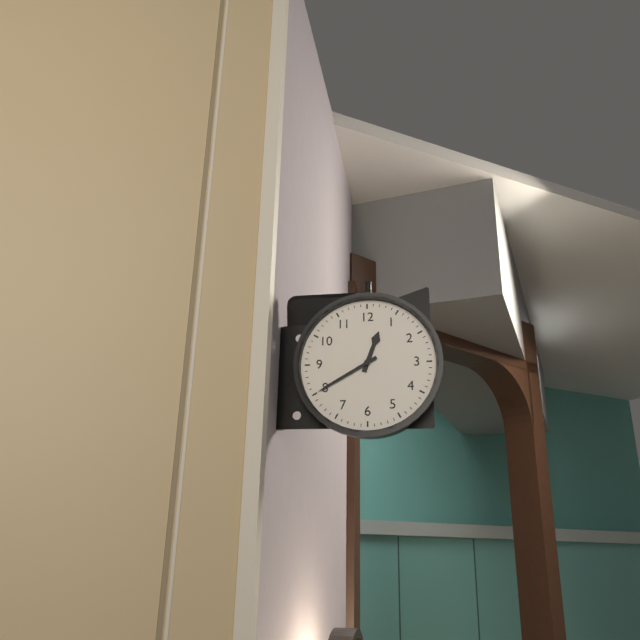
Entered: 12h40
